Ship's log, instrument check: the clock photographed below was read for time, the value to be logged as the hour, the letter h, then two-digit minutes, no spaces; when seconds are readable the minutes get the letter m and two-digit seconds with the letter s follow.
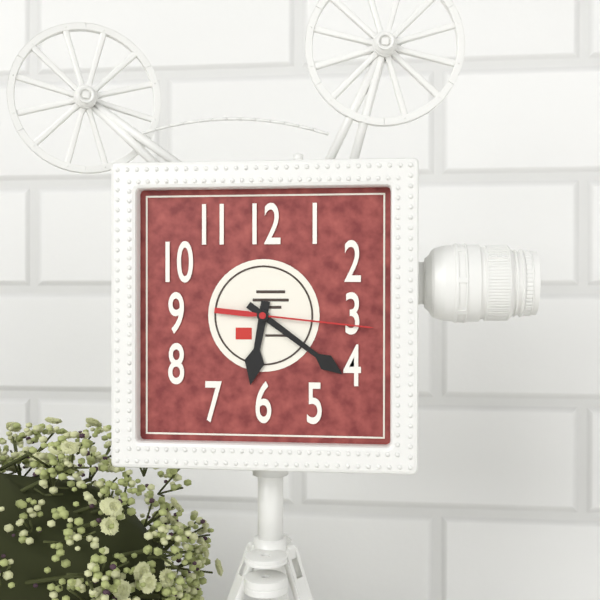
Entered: 6h21m16s
